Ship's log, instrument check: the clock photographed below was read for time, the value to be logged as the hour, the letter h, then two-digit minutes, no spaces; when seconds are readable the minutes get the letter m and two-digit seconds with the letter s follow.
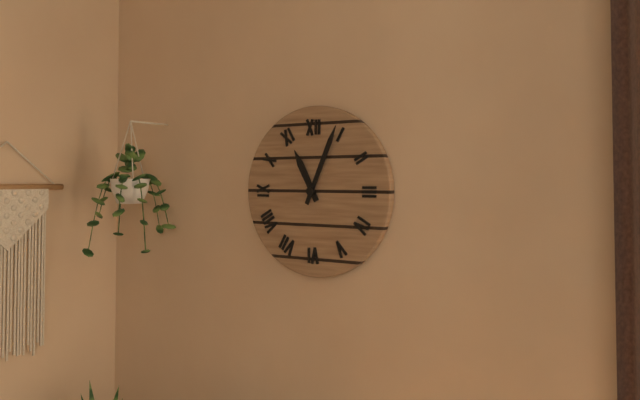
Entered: 11h04
